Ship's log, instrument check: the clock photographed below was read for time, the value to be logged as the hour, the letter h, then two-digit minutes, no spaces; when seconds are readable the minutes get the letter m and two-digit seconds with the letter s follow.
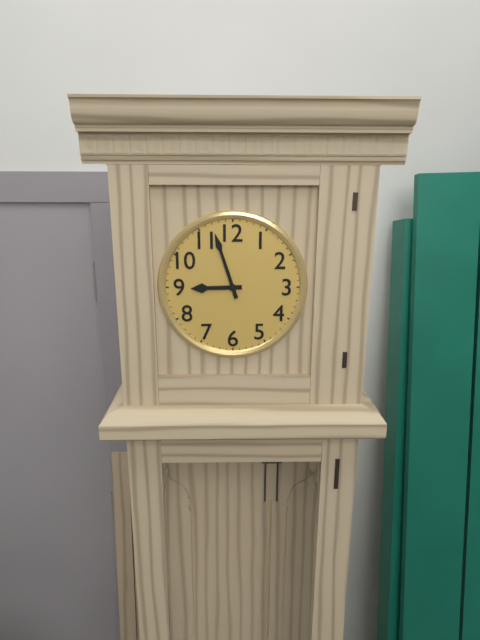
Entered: 8h57
